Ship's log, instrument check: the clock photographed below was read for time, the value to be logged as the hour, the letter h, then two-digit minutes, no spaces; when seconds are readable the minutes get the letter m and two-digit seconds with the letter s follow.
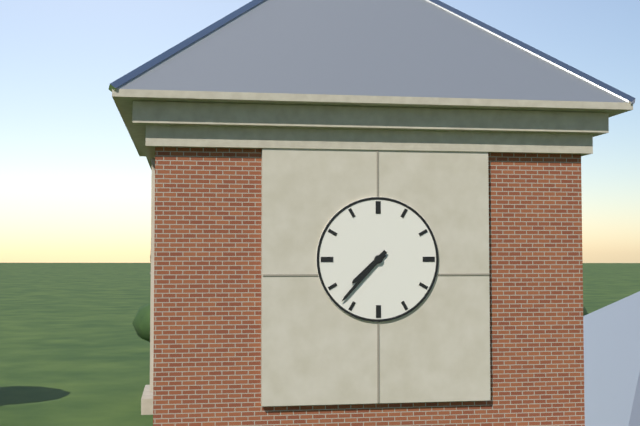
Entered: 7h37
